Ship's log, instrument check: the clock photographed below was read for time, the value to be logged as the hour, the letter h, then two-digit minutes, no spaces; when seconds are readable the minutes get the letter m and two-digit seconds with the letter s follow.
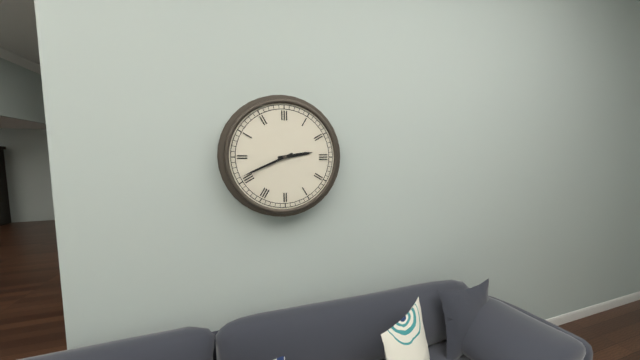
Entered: 2h41
